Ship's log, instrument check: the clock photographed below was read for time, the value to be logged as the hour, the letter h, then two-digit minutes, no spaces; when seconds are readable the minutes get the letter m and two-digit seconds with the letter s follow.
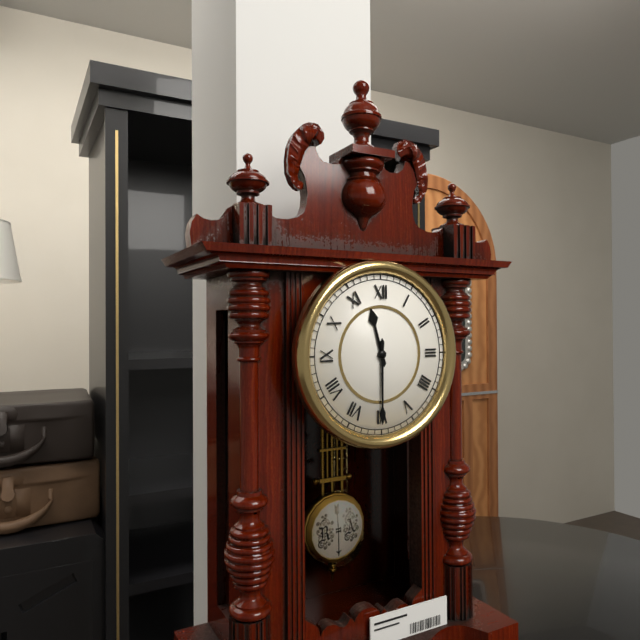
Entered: 11h30
